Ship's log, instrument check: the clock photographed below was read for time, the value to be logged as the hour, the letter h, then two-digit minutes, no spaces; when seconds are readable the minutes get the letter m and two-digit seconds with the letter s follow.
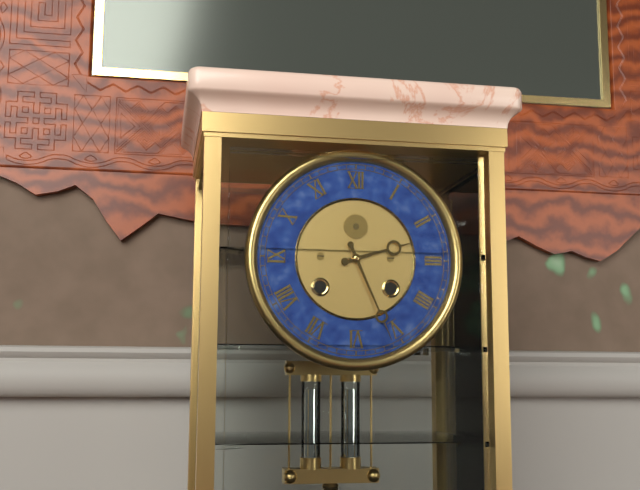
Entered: 2h26
